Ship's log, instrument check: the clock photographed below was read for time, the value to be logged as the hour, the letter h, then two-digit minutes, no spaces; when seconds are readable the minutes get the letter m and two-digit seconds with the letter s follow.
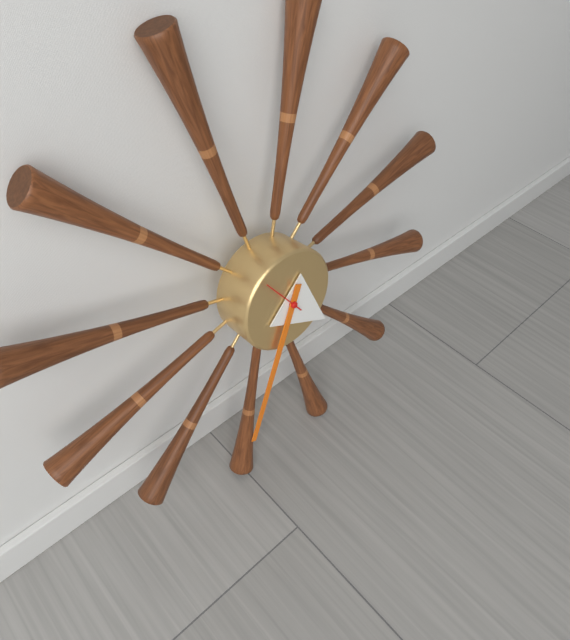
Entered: 4h34
